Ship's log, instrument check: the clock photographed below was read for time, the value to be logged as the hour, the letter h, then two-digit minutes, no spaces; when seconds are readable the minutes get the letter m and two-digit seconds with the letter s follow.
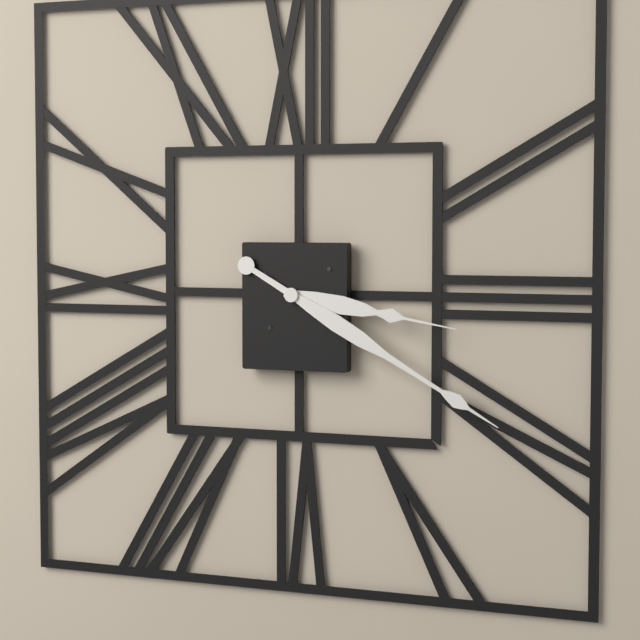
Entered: 3h20
